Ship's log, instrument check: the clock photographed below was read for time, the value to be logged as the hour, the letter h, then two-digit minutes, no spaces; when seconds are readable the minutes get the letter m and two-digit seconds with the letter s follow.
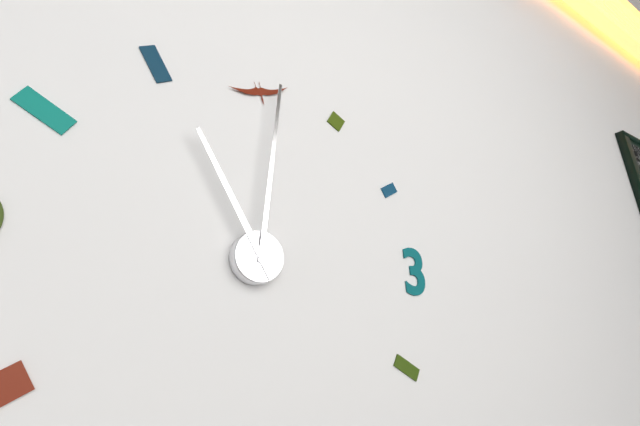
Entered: 11h01
